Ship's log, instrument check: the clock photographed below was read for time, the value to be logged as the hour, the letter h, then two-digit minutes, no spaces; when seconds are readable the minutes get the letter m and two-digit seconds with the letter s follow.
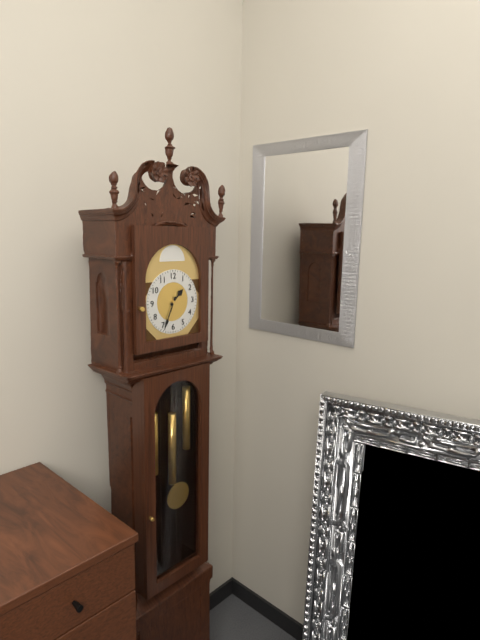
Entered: 1h34
